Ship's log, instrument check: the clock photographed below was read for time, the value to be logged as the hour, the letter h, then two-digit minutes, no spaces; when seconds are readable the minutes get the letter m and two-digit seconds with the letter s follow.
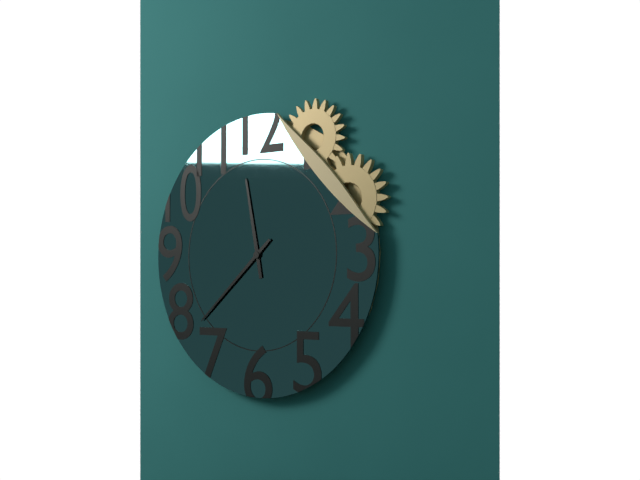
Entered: 11h38
